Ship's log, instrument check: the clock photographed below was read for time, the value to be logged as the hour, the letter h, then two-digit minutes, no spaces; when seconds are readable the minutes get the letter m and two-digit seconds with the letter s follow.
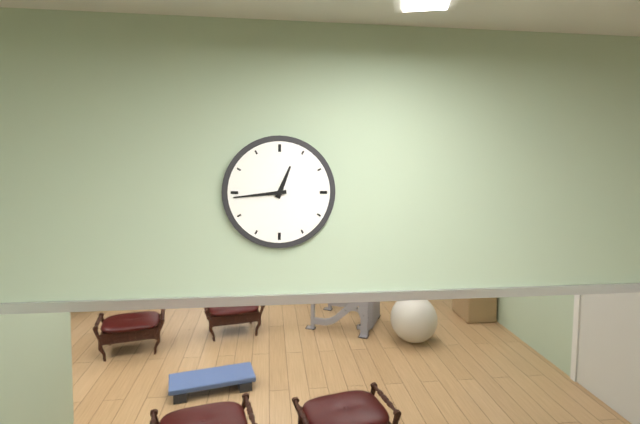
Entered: 12h44
